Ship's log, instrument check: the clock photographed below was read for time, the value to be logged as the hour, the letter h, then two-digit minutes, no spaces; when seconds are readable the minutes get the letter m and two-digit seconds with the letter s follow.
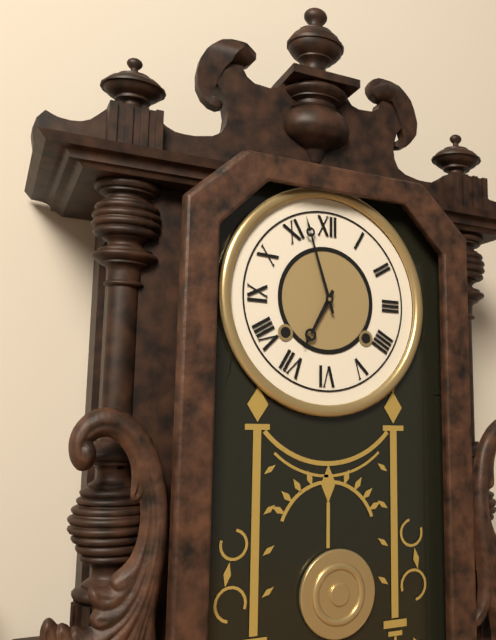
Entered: 6h57
